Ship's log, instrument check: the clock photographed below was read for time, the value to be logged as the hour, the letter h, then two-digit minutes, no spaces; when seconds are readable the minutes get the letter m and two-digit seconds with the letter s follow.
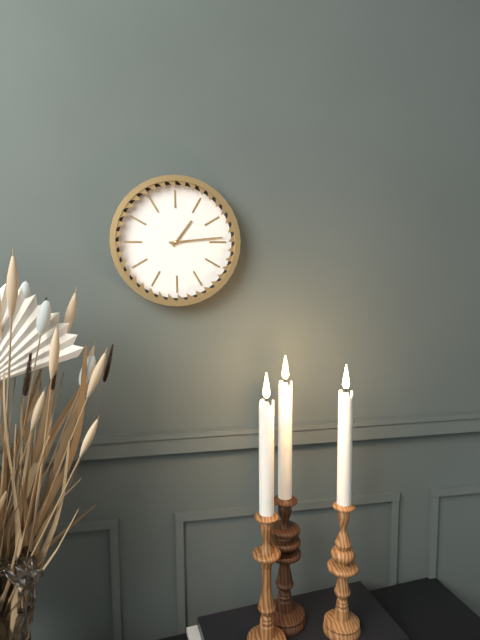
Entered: 1h14
